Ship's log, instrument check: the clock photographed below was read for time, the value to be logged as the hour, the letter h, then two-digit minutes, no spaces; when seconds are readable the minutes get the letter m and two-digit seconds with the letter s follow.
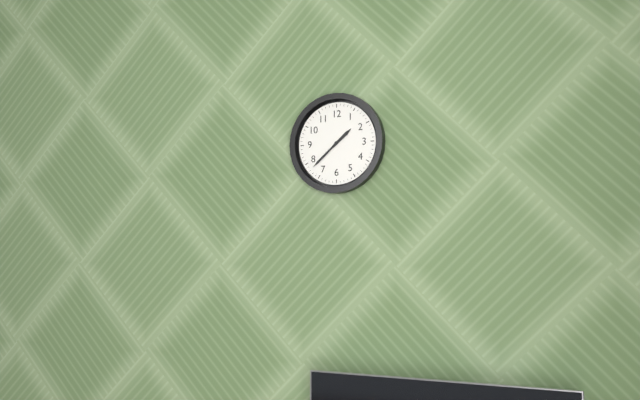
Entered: 1h38
